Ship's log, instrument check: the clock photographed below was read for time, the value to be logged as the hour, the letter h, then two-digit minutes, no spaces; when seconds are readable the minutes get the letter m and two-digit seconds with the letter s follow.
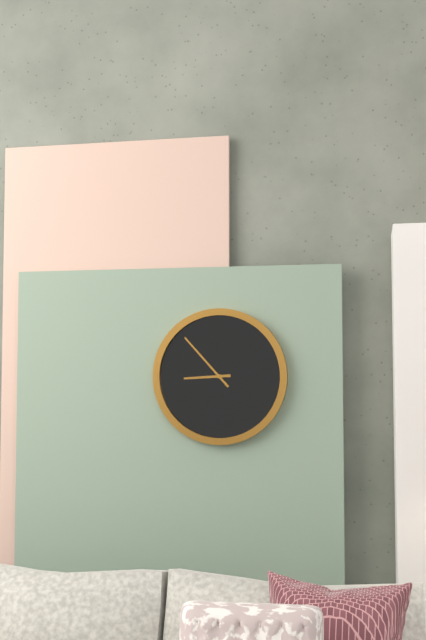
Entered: 8h53
